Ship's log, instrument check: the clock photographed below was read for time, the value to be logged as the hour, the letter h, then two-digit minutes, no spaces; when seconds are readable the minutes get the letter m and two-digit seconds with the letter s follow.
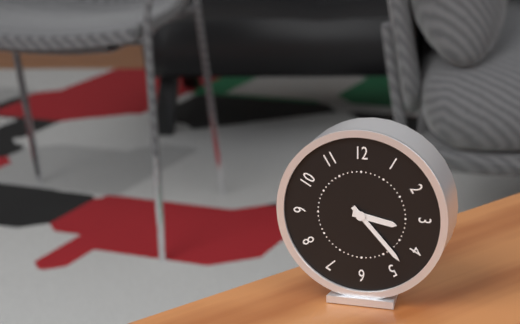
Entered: 3h23
